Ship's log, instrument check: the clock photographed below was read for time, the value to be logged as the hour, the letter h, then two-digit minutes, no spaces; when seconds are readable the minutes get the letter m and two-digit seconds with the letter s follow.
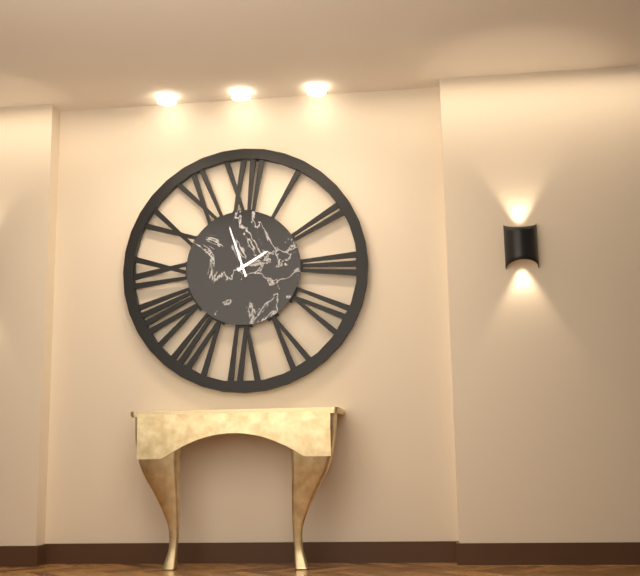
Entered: 1h57
